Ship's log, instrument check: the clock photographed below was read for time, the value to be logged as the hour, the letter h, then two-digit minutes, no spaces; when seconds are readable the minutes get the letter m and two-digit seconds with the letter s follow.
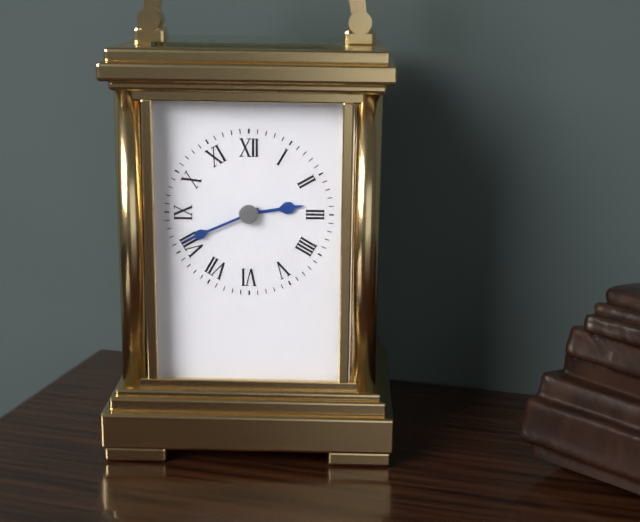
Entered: 2h41
